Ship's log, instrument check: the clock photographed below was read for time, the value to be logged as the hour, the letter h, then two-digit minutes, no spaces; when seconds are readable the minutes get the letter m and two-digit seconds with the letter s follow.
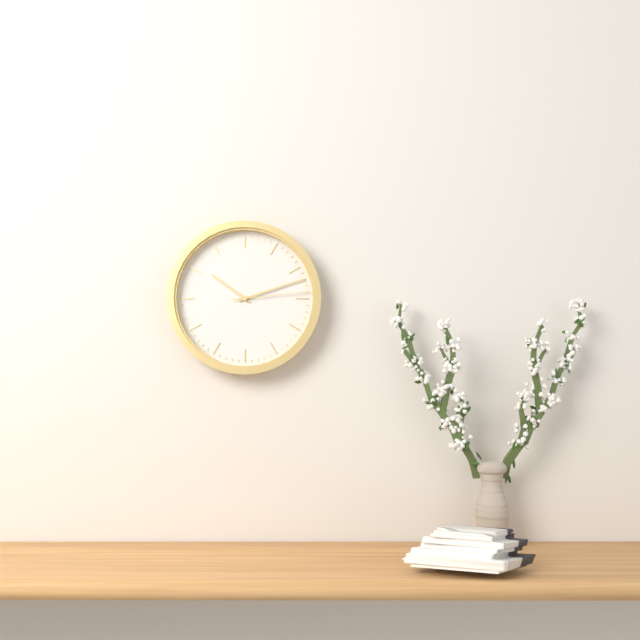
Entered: 10h12m14s
